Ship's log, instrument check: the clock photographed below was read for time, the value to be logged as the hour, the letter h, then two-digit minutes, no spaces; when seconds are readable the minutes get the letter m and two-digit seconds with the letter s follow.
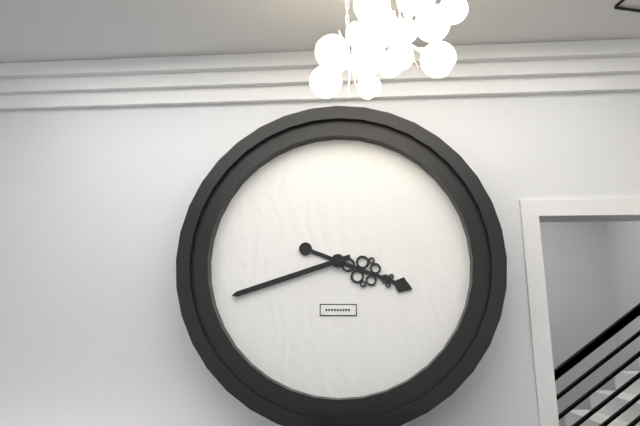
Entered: 3h42
